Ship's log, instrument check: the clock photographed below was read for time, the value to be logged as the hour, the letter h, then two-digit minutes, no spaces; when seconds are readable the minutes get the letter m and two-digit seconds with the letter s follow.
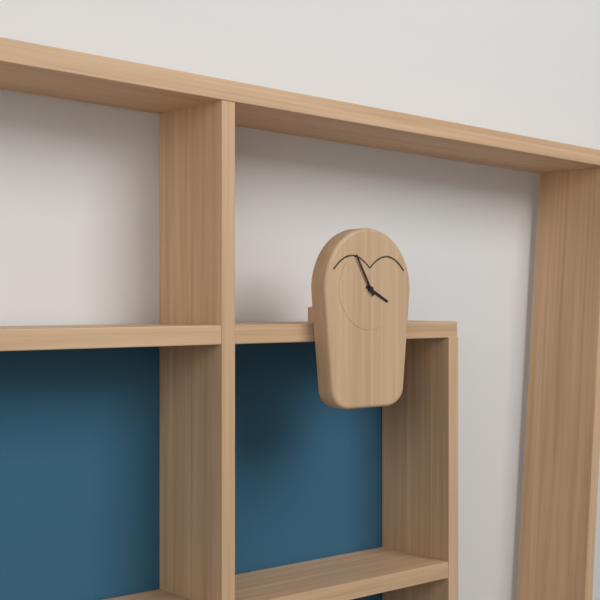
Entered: 3h55
